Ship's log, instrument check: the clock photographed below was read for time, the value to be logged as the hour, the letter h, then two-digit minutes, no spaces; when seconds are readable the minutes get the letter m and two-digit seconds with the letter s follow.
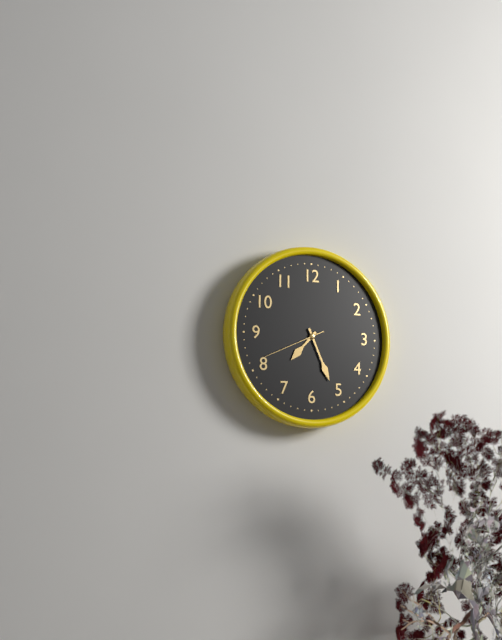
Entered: 7h26m41s
